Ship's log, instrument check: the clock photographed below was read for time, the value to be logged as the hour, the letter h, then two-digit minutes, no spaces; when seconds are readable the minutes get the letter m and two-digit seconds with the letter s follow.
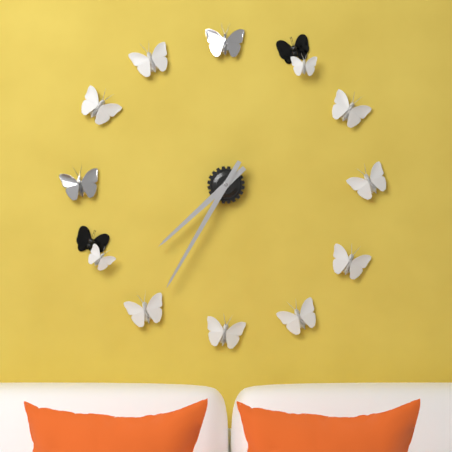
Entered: 7h35
